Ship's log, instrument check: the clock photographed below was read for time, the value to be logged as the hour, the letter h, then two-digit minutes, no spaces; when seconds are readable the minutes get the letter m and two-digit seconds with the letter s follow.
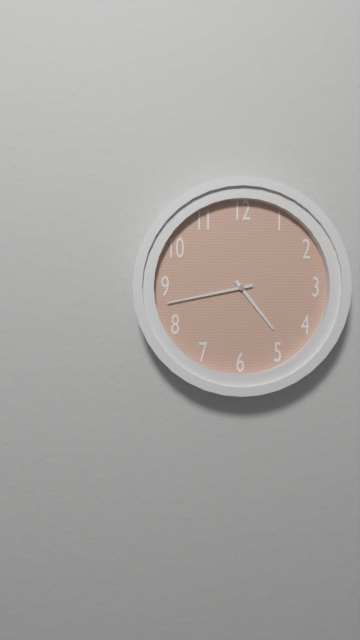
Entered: 4h43
